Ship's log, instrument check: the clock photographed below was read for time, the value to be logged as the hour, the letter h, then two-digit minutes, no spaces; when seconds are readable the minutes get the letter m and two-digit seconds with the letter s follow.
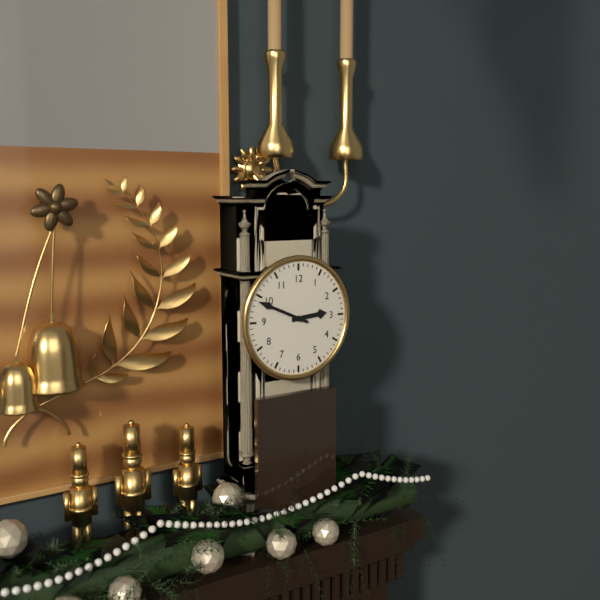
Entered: 2h49
